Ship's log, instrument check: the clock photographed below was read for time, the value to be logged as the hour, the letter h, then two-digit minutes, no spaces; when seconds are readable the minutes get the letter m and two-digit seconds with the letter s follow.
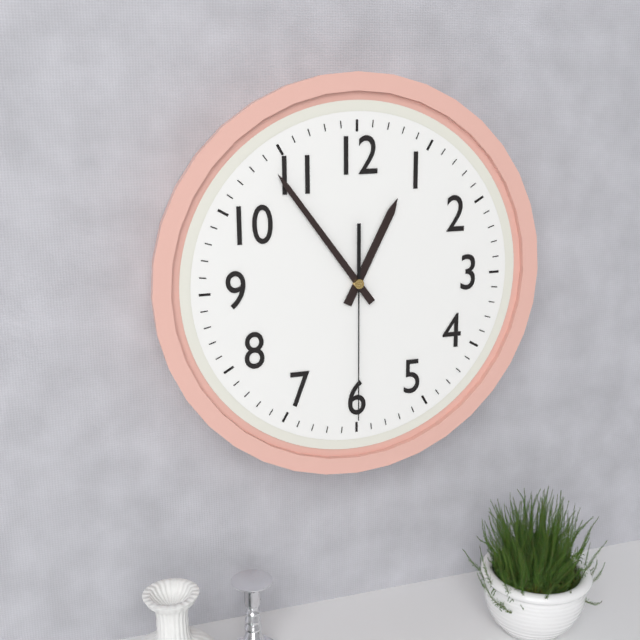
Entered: 12h54m30s
